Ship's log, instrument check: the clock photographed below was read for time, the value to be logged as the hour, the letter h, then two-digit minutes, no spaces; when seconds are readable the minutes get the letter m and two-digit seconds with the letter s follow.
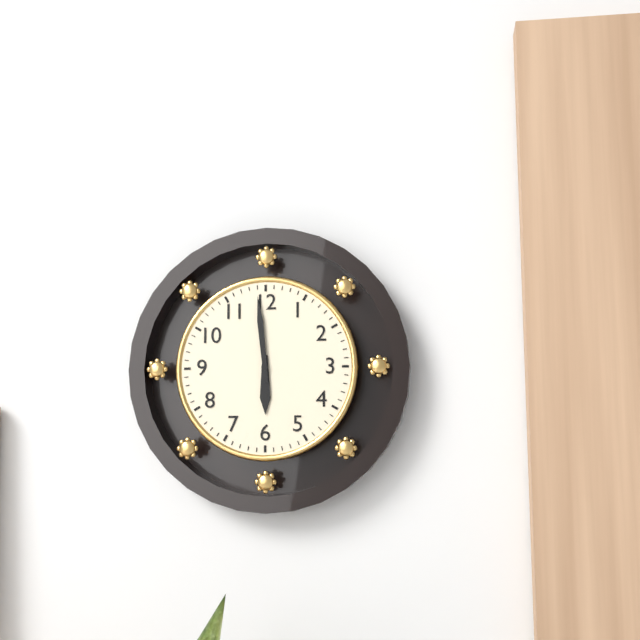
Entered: 5h59
